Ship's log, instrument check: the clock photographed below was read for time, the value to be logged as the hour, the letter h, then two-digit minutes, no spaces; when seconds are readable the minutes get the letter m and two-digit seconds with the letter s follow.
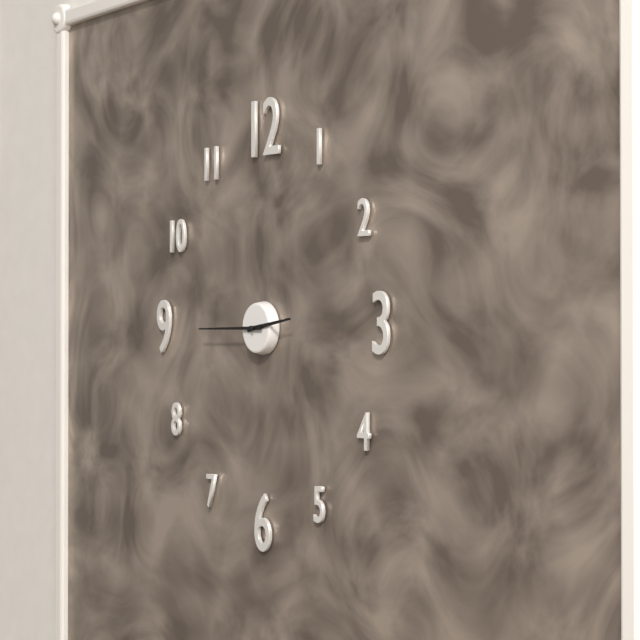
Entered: 2h45
